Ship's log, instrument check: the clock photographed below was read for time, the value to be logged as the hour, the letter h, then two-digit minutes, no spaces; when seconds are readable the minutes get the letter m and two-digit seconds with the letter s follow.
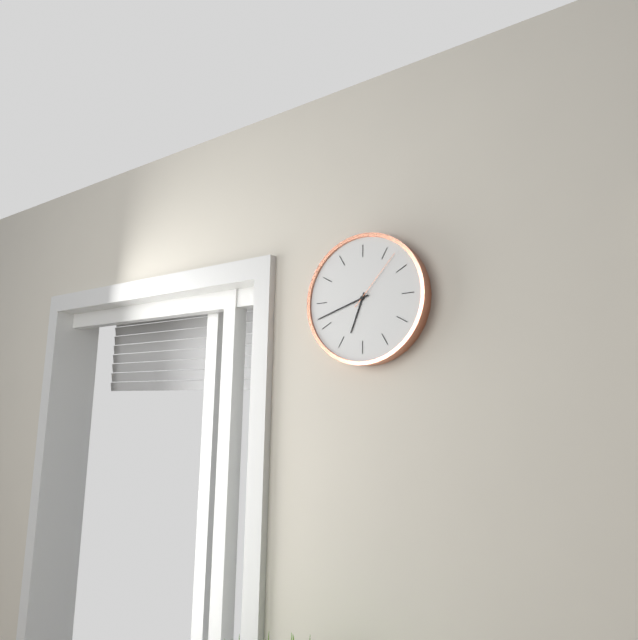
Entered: 6h42m07s
